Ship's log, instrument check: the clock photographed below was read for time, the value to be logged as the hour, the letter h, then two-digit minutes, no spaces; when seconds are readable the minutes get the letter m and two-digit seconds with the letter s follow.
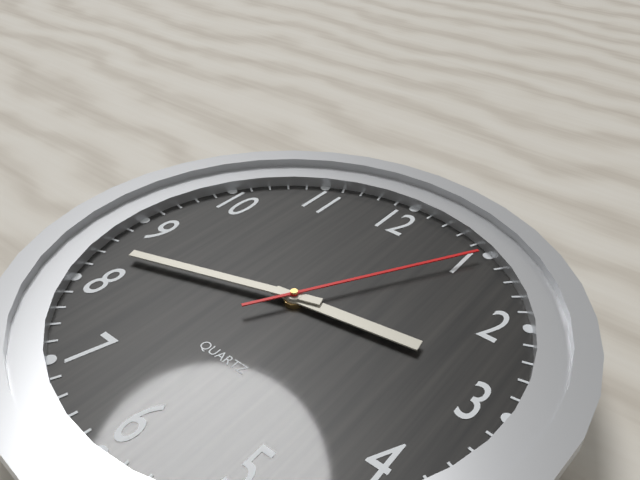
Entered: 2h42m05s
